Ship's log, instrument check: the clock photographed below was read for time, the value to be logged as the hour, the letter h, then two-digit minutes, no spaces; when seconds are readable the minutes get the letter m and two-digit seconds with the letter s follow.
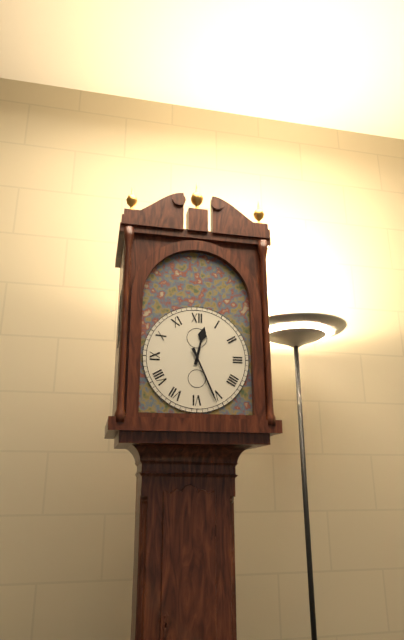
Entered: 12h26
